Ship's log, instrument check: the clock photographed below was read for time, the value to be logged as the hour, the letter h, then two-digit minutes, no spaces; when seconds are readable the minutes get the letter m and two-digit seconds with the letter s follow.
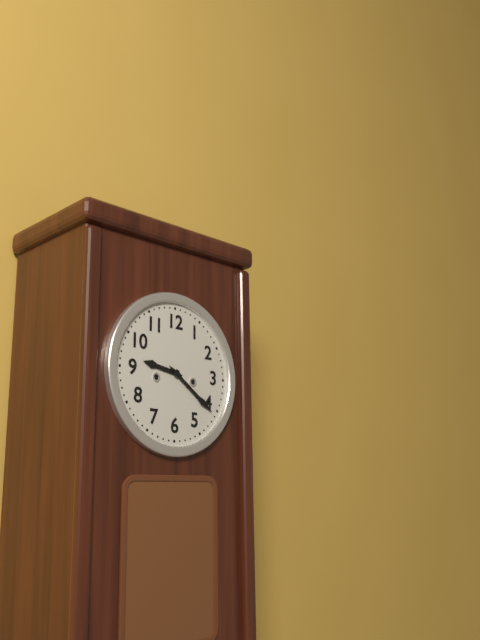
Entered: 9h21
